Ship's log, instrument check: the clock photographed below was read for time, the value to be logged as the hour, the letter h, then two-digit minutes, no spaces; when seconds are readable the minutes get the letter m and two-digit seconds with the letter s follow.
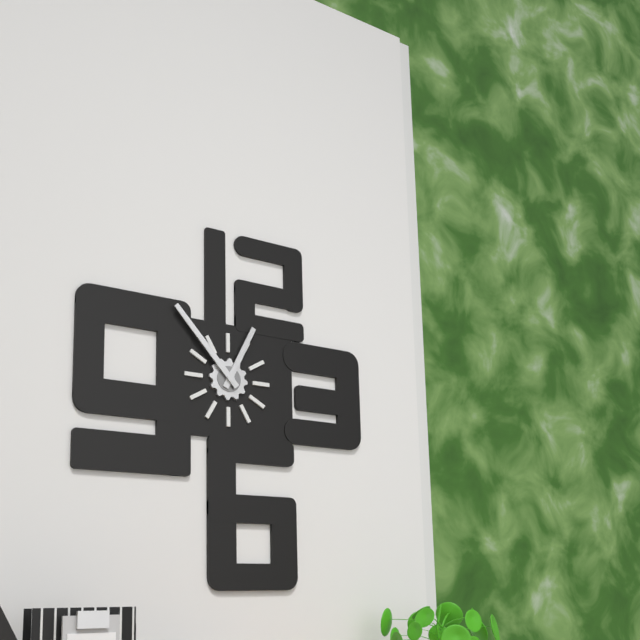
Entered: 12h53
